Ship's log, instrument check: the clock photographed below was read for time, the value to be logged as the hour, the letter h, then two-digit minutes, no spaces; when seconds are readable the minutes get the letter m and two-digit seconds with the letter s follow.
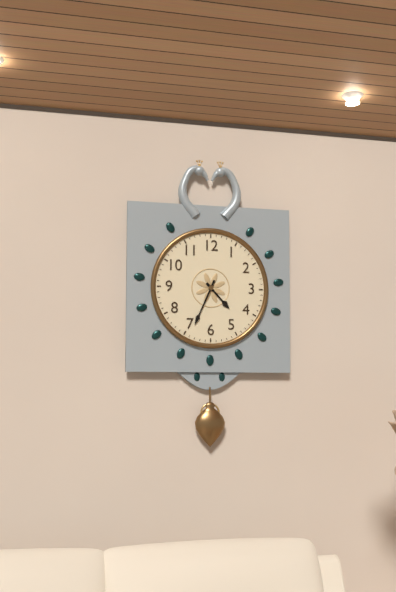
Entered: 4h34
